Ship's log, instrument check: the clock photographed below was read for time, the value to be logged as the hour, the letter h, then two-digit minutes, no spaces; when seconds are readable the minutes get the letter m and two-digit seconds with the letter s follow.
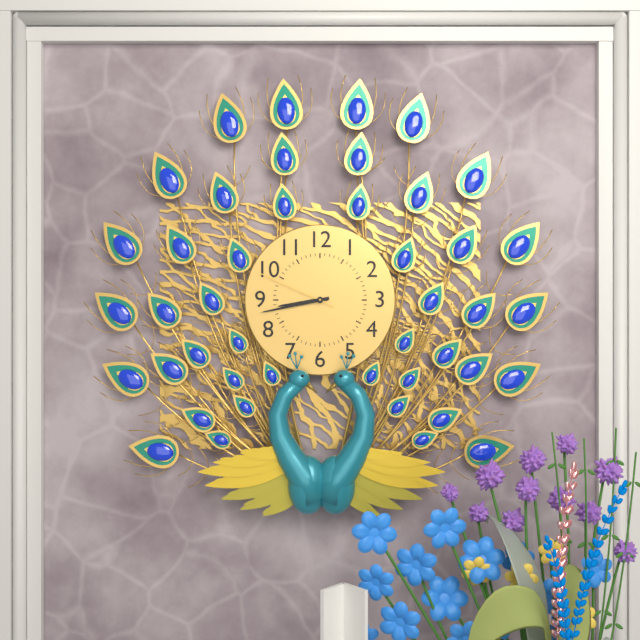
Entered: 8h43m49s
